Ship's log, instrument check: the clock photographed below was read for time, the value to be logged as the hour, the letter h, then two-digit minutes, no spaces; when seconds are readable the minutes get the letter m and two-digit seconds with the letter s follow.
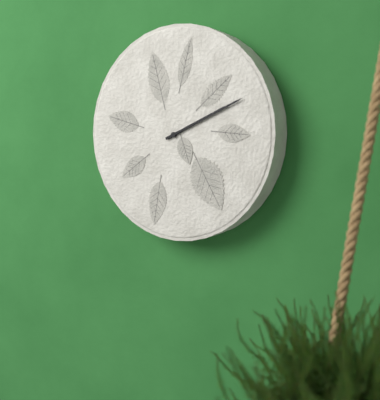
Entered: 2h11
